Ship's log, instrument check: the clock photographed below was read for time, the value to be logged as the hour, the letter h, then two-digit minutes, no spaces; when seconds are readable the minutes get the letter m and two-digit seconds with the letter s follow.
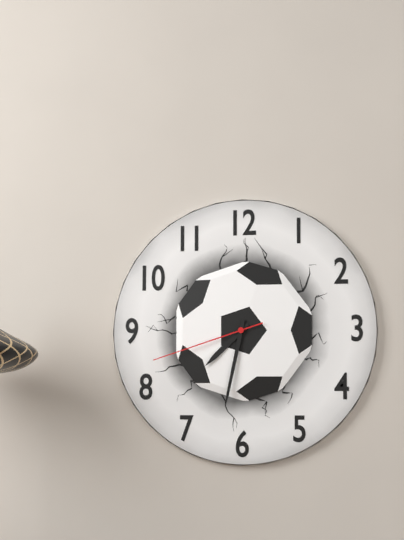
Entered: 7h32m42s
